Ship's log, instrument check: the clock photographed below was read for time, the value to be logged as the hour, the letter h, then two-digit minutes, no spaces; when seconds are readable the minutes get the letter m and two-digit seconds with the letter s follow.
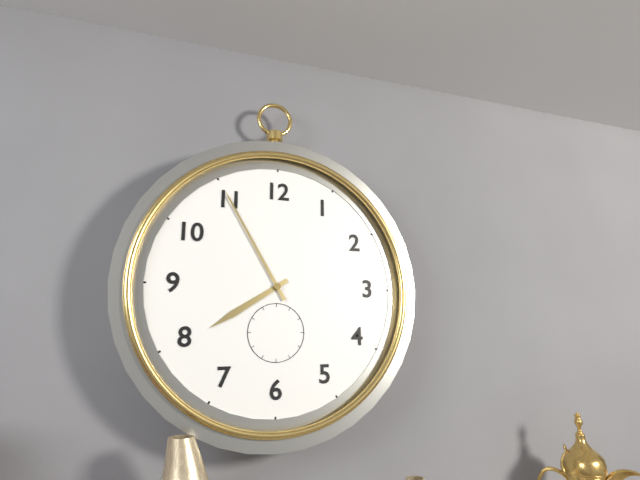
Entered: 7h55
